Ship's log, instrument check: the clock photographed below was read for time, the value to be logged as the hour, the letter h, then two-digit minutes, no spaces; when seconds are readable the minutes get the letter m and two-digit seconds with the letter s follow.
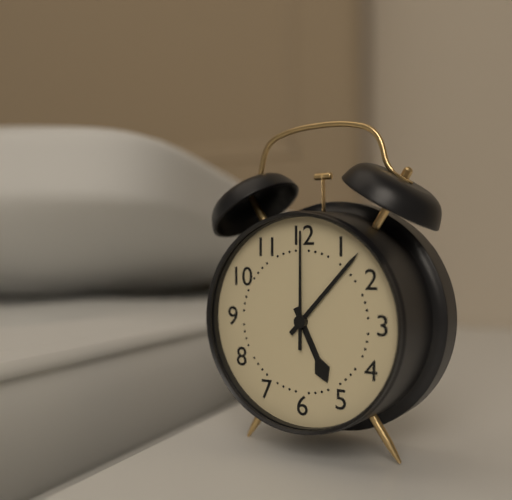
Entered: 5h07m00s
